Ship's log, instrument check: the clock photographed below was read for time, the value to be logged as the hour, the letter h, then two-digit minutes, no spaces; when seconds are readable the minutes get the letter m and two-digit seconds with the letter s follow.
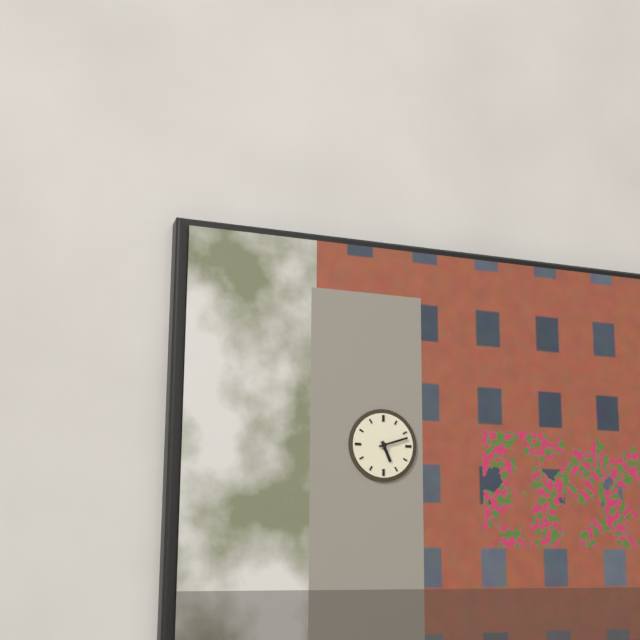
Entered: 5h12
